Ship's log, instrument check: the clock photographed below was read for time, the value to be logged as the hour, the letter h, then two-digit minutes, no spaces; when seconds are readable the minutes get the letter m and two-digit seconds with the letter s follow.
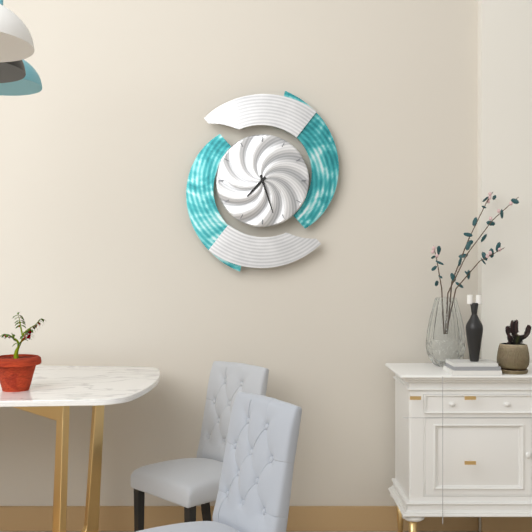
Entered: 7h27
